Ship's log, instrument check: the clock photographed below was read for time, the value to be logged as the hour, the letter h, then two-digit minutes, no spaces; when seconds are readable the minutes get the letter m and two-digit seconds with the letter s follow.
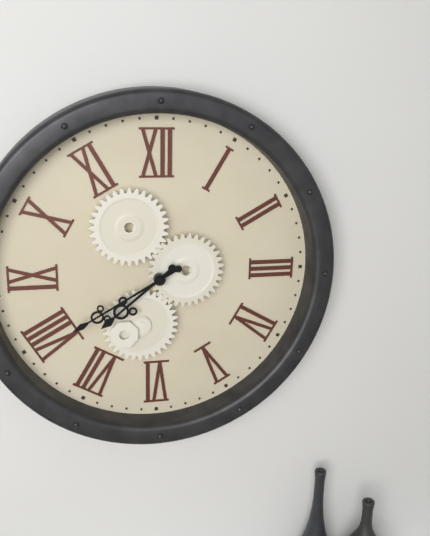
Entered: 7h40
